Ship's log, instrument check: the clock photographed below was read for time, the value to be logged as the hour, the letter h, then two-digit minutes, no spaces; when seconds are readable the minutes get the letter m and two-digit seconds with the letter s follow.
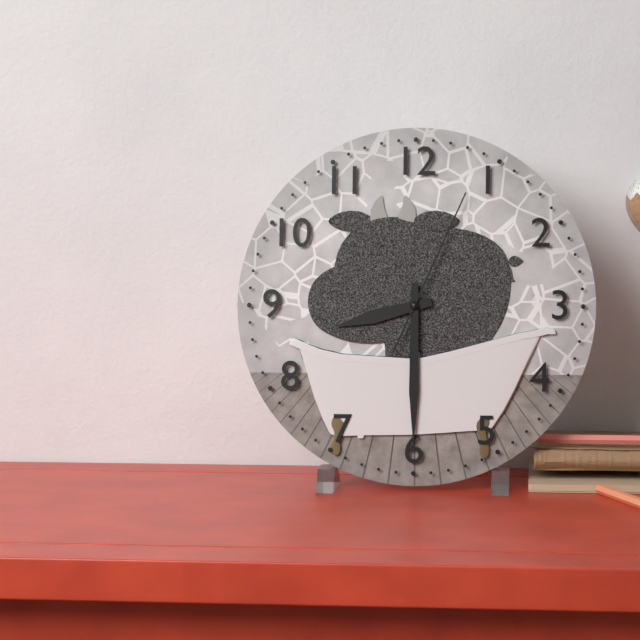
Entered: 8h30m04s
